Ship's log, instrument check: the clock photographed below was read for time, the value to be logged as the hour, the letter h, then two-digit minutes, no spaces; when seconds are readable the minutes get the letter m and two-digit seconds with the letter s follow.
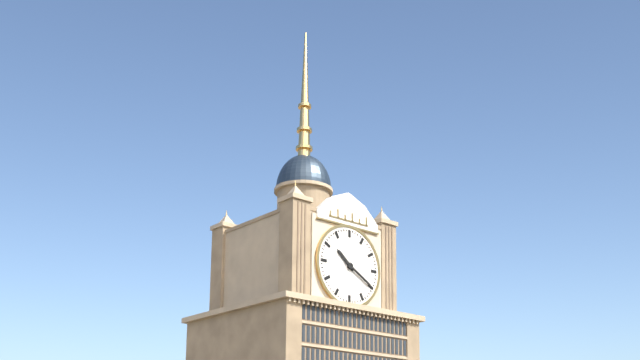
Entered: 10h20
